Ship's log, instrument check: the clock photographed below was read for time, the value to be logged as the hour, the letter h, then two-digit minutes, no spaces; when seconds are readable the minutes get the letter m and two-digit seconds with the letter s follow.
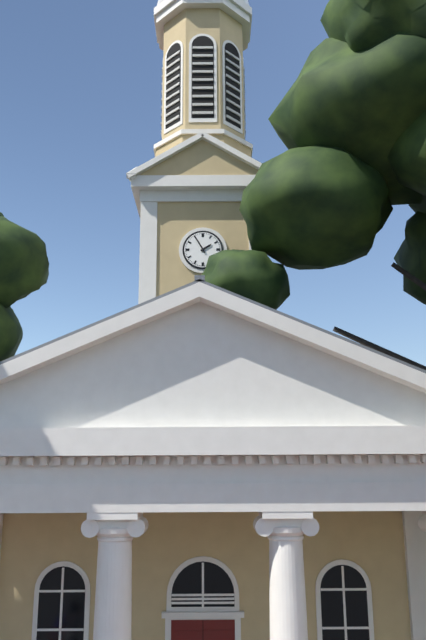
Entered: 1h55
